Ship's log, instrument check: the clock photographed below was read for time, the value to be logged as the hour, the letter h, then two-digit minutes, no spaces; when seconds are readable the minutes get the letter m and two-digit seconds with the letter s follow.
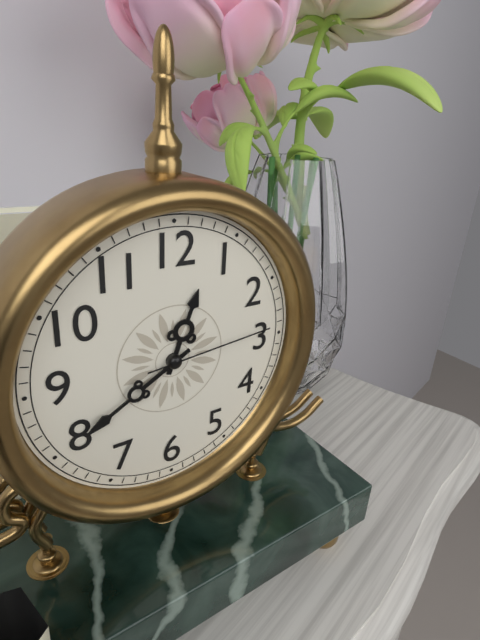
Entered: 12h40m14s
